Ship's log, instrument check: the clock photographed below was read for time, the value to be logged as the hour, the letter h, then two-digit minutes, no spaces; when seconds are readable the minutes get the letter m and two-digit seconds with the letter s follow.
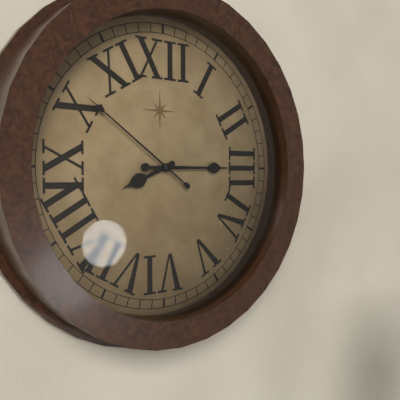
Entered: 8h15m51s
